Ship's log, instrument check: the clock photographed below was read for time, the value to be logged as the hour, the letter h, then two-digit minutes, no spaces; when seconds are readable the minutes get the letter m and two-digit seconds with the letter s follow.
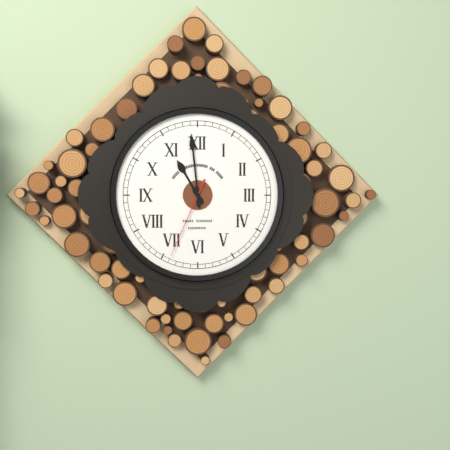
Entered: 10h59m34s
